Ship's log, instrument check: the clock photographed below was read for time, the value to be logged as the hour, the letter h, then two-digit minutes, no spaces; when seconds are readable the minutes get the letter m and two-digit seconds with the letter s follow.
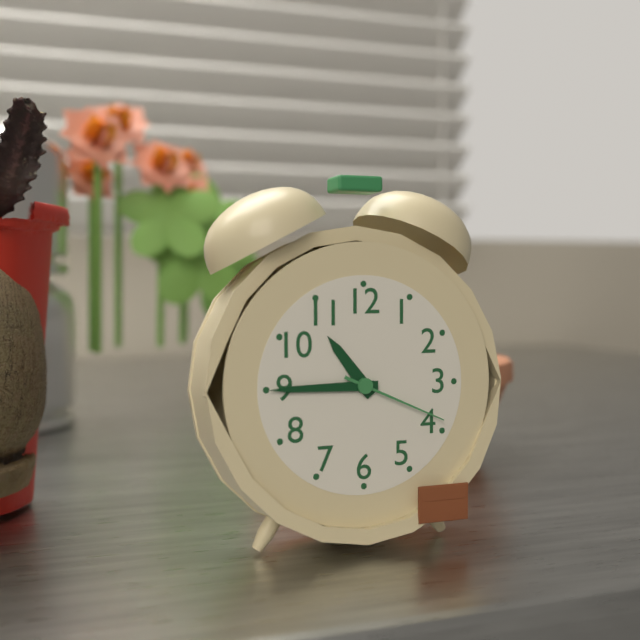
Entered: 10h45m19s
